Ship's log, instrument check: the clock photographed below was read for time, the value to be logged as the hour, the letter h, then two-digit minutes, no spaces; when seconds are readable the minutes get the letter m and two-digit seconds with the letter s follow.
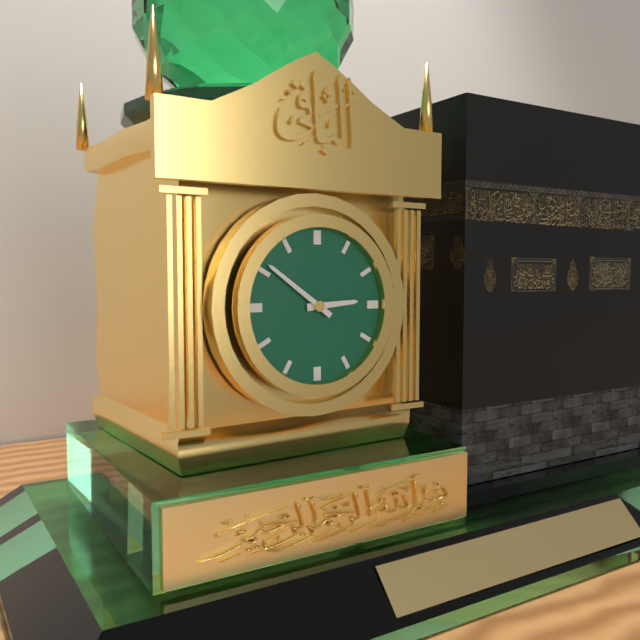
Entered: 2h51
